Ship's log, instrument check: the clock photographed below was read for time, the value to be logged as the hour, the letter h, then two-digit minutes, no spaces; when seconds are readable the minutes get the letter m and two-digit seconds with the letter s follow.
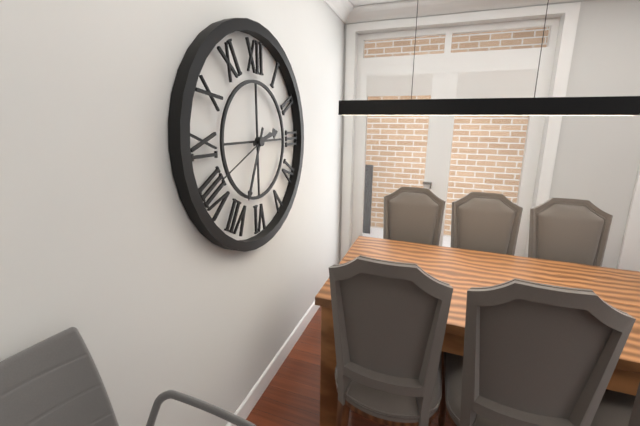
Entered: 2h34m41s
